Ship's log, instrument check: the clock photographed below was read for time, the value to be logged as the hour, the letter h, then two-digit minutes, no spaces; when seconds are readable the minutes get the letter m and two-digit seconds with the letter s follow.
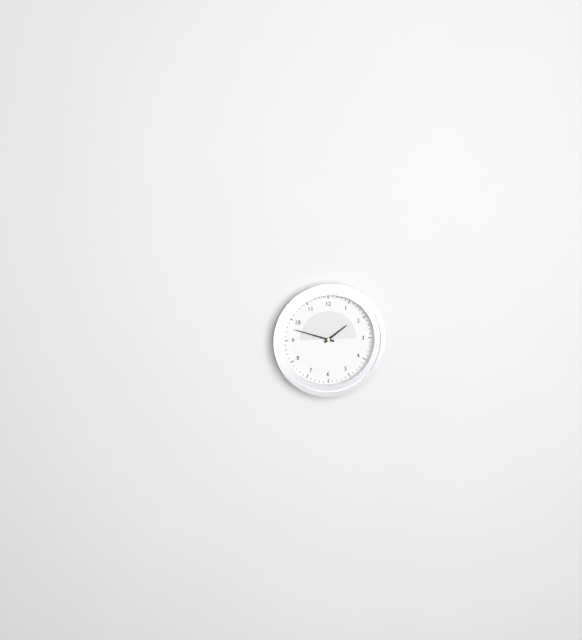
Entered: 1h48
